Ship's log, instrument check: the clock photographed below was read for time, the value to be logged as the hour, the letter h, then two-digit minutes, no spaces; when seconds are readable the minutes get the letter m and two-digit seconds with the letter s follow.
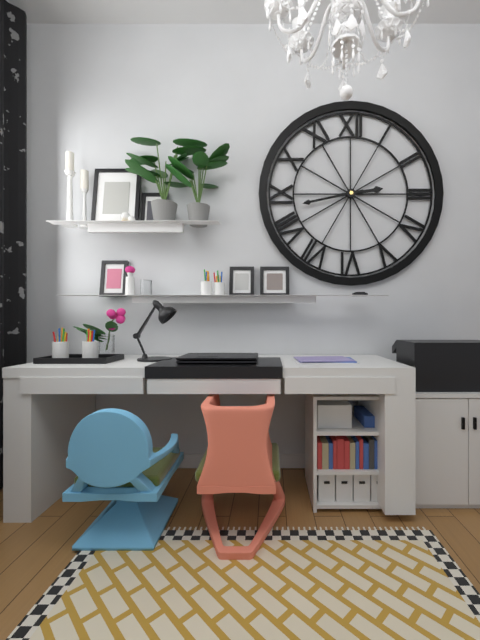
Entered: 2h43
